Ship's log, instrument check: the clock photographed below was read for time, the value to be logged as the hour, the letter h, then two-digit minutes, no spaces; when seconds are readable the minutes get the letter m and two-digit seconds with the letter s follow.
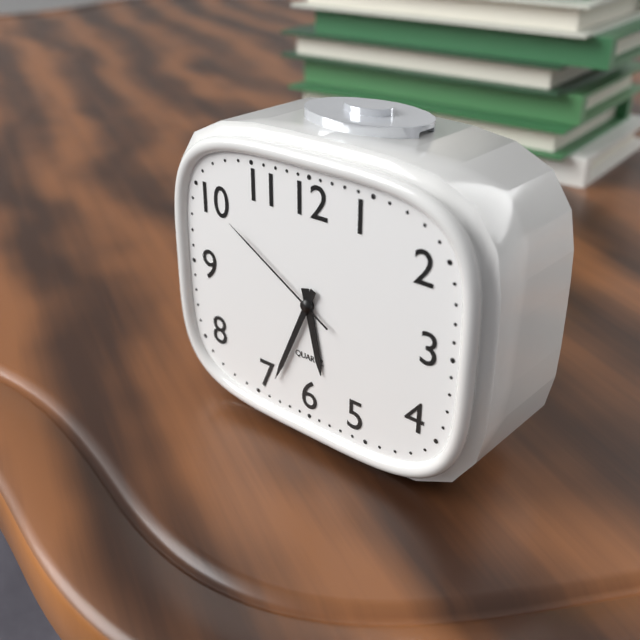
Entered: 5h34m50s
